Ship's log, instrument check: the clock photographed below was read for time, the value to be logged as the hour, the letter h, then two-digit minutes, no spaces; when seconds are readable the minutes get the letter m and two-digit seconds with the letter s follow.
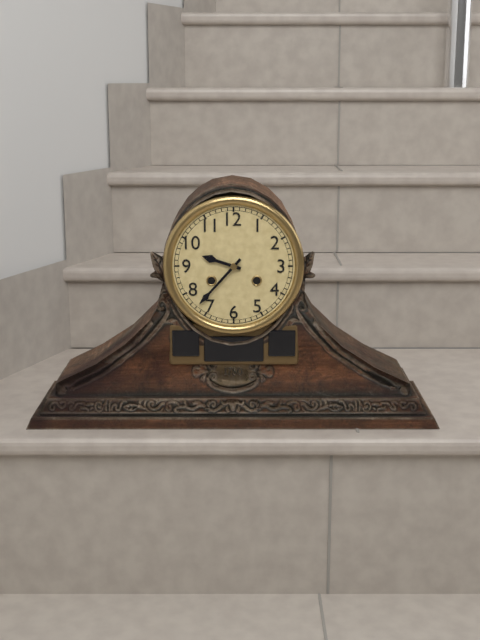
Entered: 9h37
